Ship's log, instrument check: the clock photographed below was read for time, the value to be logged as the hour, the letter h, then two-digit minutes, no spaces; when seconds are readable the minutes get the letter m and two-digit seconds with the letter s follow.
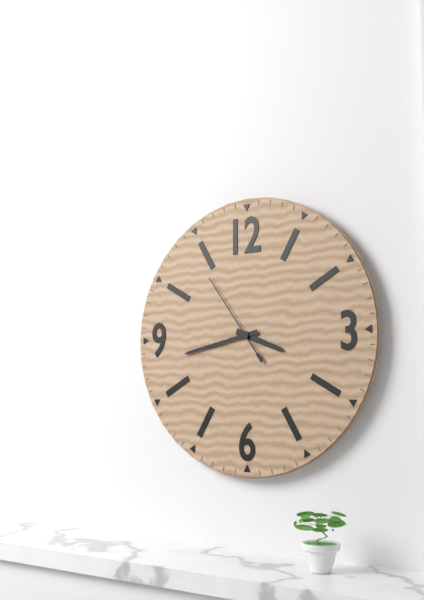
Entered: 3h43m54s
